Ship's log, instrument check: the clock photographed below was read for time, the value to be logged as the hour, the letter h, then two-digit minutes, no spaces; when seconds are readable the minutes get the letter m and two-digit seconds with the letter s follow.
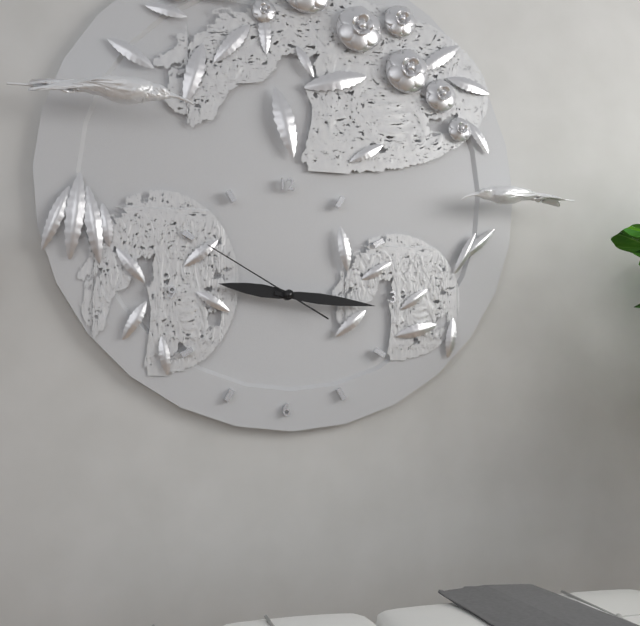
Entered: 9h16m50s
